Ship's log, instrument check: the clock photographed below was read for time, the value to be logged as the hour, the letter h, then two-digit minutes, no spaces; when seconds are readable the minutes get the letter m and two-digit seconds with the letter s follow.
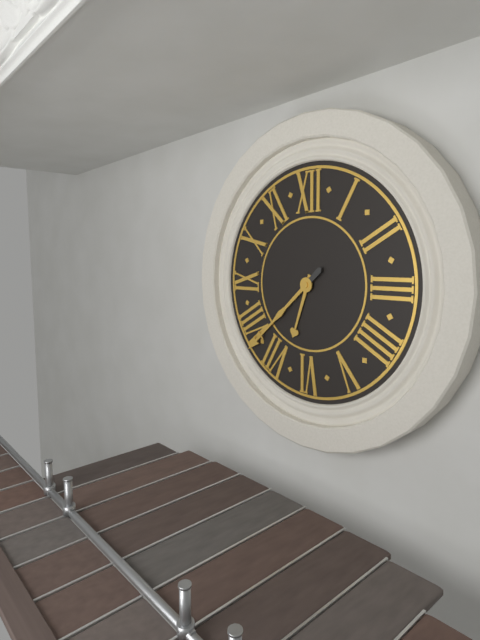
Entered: 6h38
